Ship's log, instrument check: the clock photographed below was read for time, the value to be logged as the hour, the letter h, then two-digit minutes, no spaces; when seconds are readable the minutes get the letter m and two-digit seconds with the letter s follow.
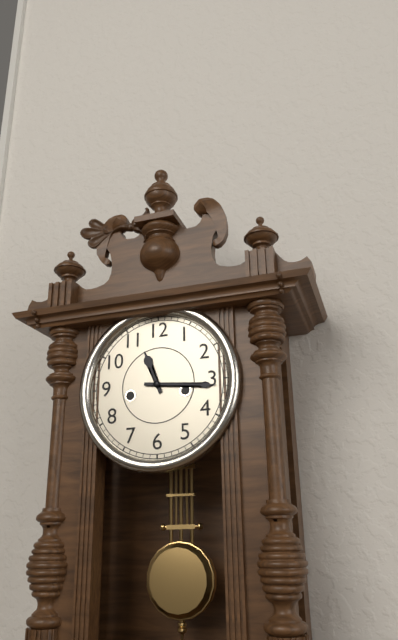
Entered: 11h16
